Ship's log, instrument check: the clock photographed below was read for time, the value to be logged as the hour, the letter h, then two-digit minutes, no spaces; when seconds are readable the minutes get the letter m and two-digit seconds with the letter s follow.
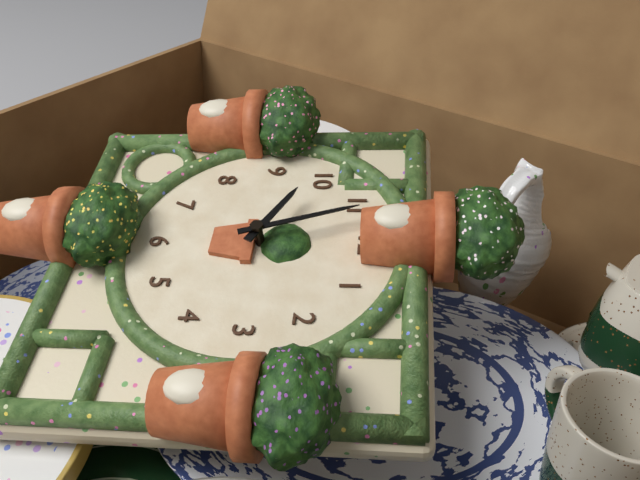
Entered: 9h57
